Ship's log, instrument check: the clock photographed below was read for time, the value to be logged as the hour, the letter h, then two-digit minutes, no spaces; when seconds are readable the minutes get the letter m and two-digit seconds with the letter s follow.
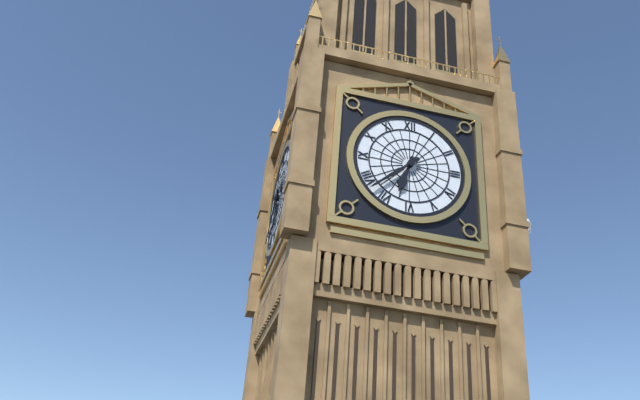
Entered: 6h38
